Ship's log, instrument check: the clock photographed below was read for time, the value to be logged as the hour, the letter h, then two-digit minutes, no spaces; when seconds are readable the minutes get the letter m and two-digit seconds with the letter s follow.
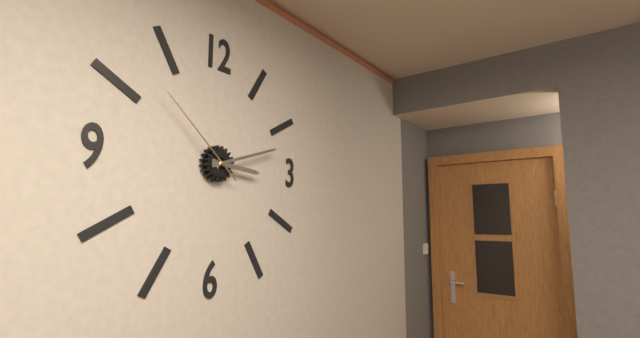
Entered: 3h12m52s
